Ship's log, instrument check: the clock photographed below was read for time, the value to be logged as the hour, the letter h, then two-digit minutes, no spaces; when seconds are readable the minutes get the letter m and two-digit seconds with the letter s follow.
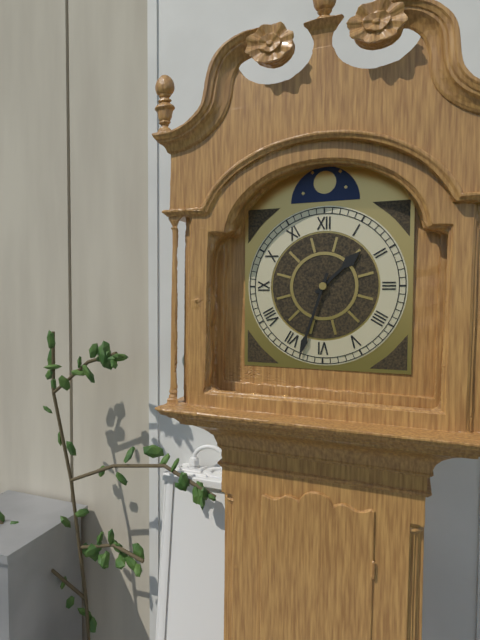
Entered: 1h33
